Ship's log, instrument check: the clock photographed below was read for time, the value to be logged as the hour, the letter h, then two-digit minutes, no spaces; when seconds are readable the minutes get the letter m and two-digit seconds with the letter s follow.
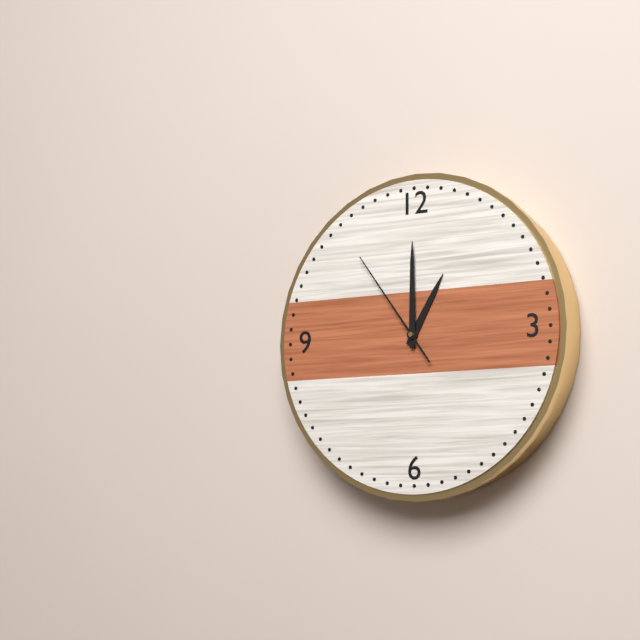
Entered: 1h00m54s
